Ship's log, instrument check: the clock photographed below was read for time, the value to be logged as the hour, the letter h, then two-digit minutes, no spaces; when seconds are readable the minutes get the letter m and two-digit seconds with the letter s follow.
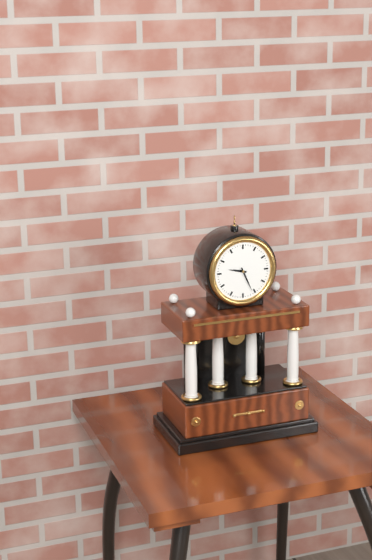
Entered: 9h26
